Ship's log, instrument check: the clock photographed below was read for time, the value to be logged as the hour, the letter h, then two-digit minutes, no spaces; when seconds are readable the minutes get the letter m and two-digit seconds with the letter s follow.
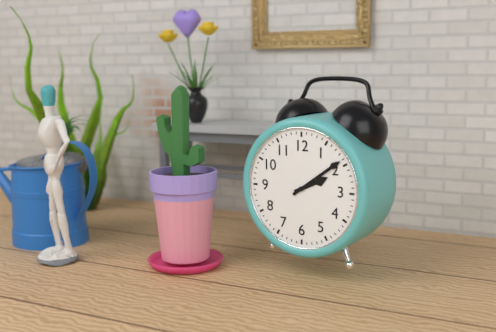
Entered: 2h09
